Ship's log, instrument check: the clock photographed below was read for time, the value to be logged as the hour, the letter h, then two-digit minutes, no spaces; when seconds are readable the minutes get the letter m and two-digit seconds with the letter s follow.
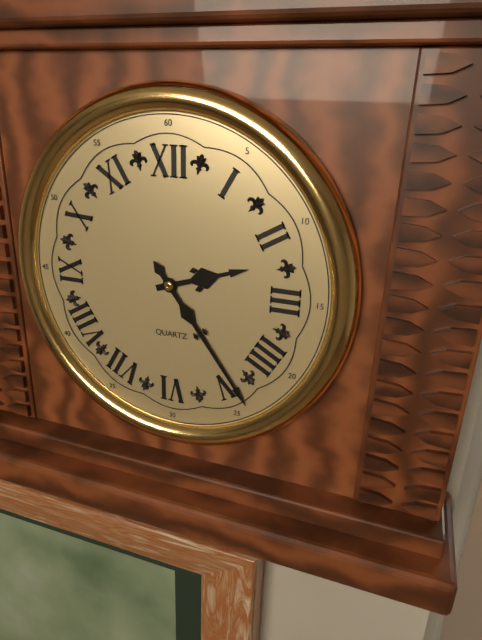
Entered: 2h24
